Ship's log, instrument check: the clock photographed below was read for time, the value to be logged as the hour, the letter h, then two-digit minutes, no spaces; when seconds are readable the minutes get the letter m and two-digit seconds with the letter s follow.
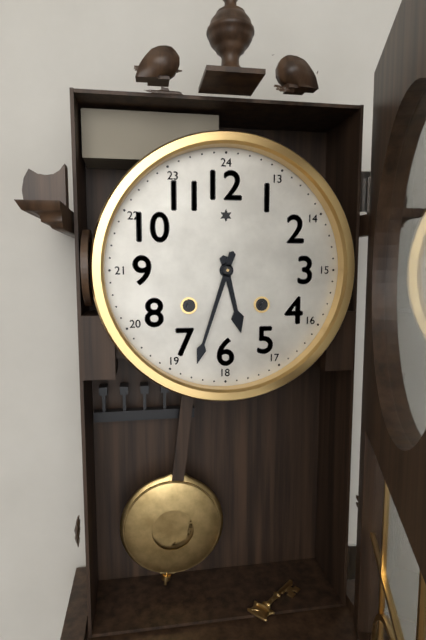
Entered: 5h33
